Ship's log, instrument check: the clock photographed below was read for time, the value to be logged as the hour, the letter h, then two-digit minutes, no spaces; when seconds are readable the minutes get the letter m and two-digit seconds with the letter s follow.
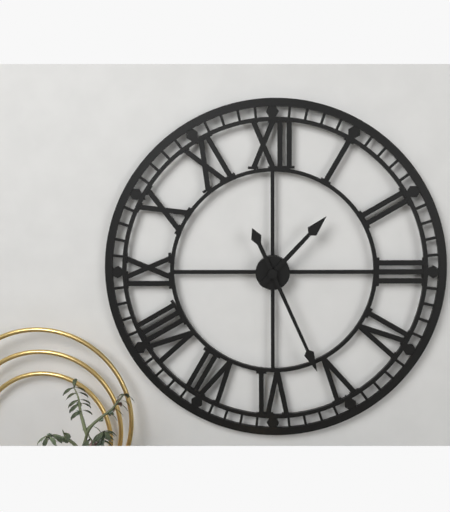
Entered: 1h26
